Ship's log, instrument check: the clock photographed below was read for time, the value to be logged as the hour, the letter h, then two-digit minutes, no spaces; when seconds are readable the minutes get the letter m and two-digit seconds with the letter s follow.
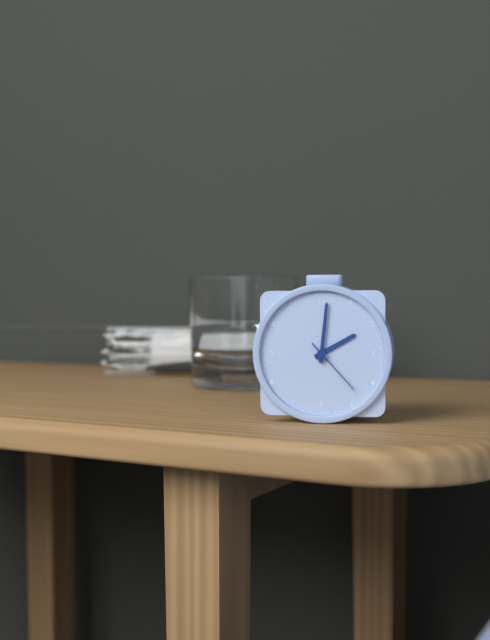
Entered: 2h01m23s
